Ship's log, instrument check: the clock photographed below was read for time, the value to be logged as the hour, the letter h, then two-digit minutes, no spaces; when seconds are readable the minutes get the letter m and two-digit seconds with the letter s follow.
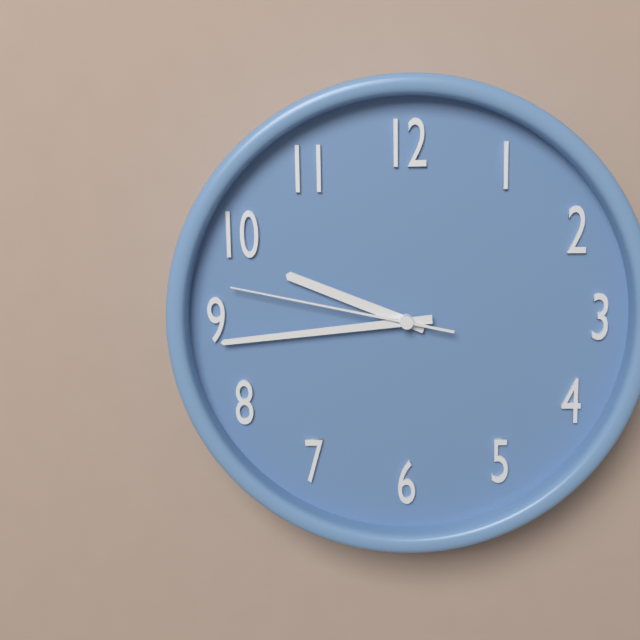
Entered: 9h44m47s
